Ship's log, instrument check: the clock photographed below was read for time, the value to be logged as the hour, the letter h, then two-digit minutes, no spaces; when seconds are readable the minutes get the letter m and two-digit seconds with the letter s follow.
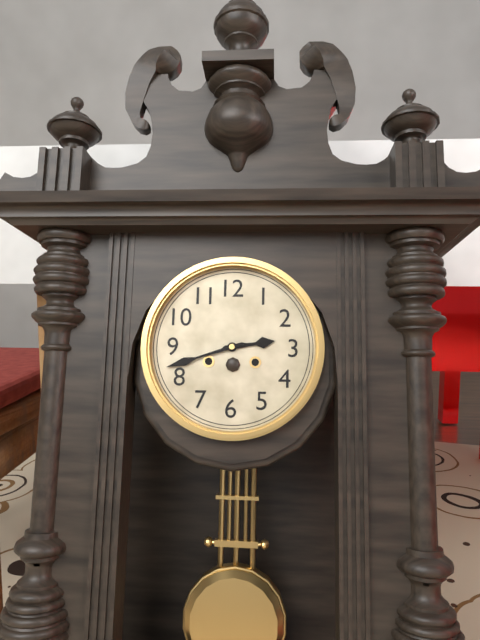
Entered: 2h42
